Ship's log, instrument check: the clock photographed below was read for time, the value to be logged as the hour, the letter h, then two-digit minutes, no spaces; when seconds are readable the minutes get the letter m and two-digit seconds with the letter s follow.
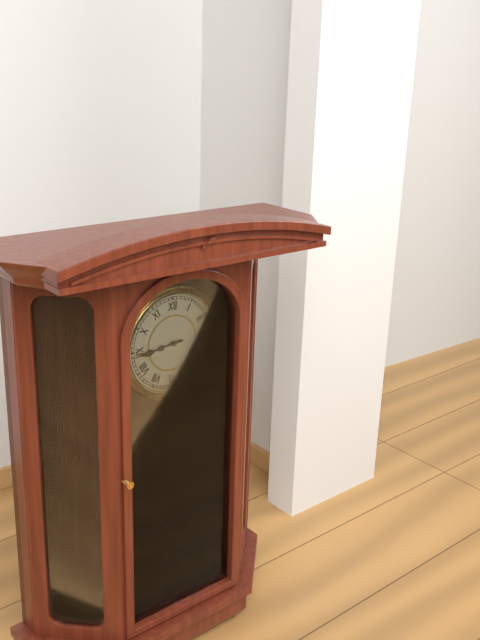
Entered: 8h44
